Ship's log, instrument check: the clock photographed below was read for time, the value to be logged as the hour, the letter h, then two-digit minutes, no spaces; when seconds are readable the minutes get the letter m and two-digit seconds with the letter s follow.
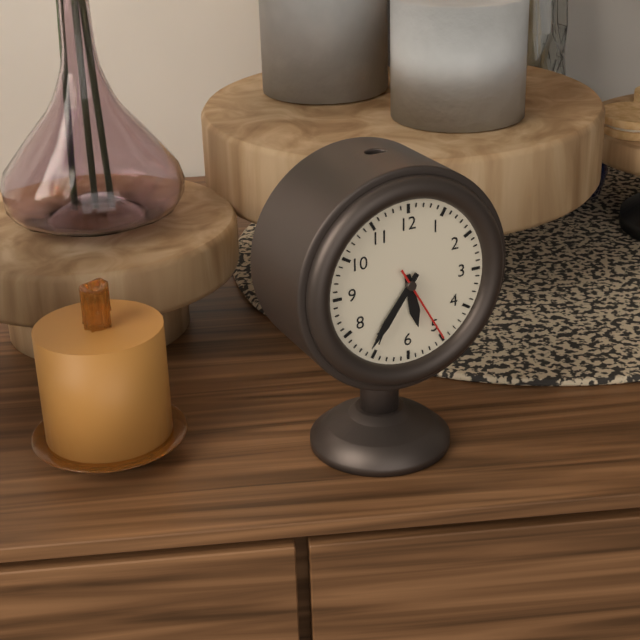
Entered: 5h36m25s
